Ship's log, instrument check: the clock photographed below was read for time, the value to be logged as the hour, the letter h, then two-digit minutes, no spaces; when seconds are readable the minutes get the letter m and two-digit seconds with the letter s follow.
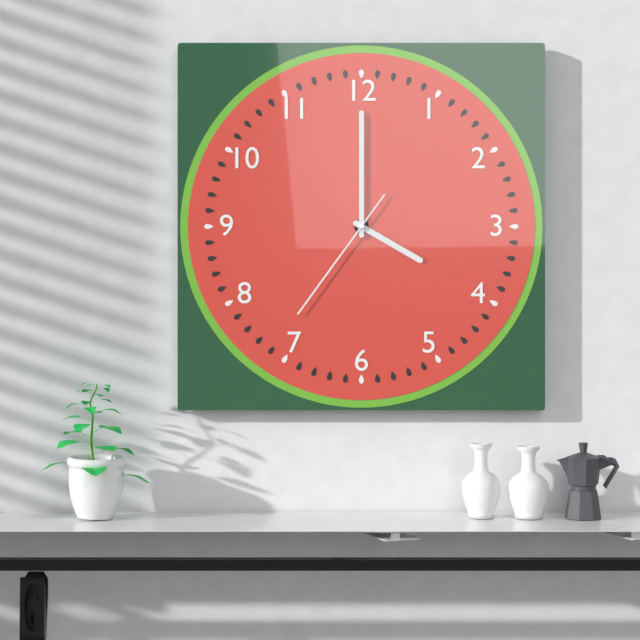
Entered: 4h00m36s
